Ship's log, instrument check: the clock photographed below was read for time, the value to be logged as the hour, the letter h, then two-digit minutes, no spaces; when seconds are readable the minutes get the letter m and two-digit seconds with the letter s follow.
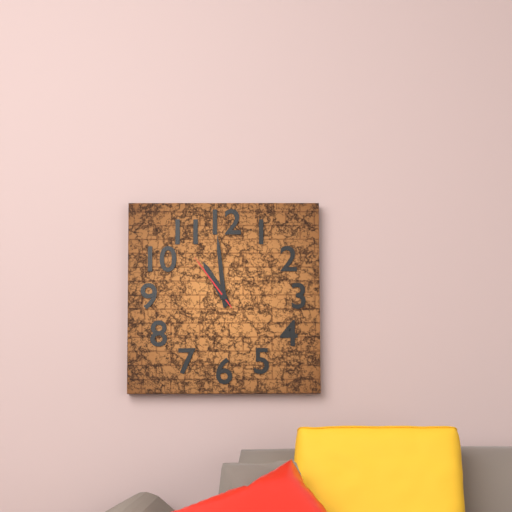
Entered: 10h59m54s
